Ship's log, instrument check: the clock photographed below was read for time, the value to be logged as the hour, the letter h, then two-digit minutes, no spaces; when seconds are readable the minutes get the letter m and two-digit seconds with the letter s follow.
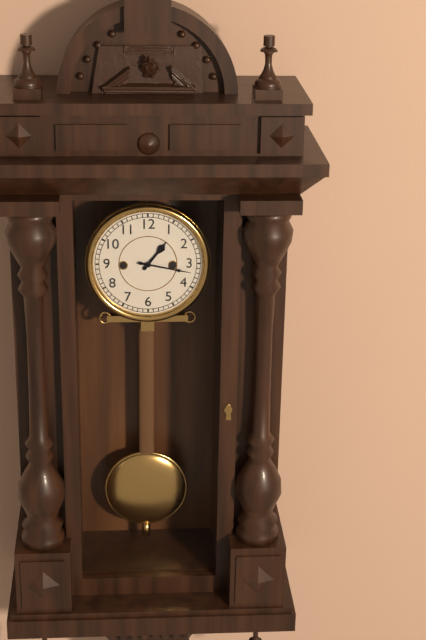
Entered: 1h17
